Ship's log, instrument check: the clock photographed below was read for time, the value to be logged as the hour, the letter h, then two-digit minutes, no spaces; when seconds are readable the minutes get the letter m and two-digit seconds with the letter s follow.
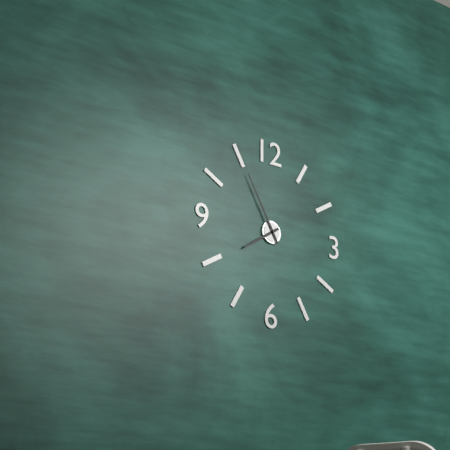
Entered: 7h55
